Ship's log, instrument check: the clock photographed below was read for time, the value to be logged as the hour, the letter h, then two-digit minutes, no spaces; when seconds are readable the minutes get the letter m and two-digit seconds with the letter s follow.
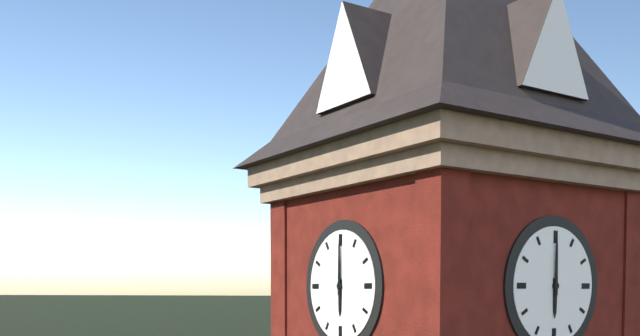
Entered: 6h00
